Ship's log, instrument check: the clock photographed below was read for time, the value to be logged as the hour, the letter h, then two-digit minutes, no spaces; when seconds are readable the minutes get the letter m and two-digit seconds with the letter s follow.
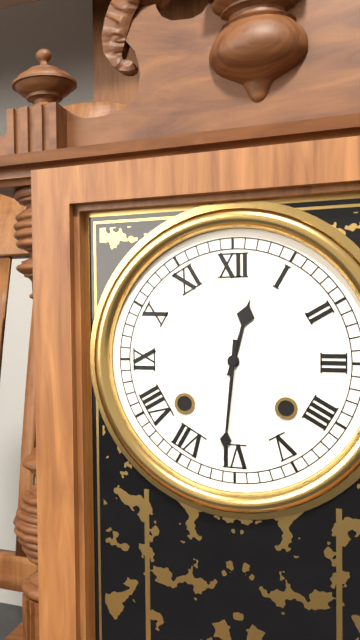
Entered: 12h31
